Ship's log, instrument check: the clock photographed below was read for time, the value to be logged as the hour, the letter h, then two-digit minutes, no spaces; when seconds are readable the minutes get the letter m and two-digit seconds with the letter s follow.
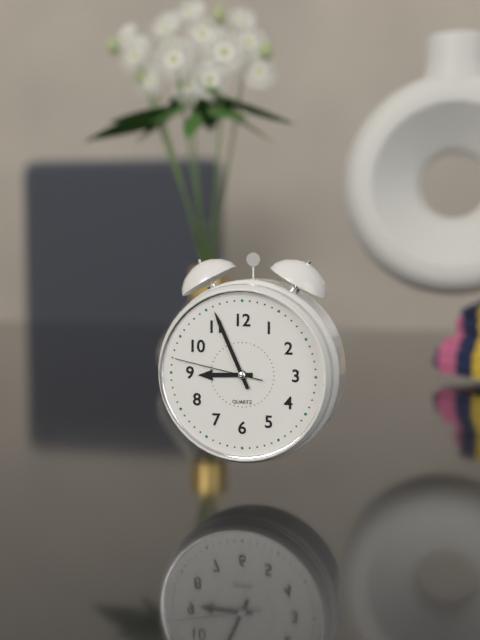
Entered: 8h56m47s
